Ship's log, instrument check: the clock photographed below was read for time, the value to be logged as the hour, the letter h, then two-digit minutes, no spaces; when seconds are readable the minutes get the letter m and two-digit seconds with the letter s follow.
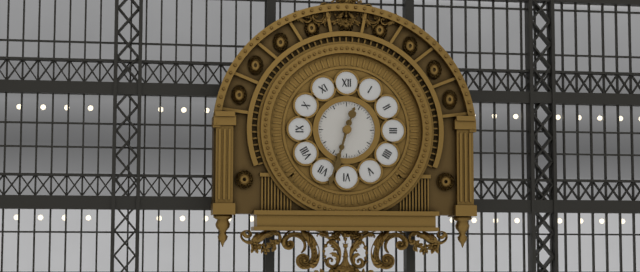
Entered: 6h33
